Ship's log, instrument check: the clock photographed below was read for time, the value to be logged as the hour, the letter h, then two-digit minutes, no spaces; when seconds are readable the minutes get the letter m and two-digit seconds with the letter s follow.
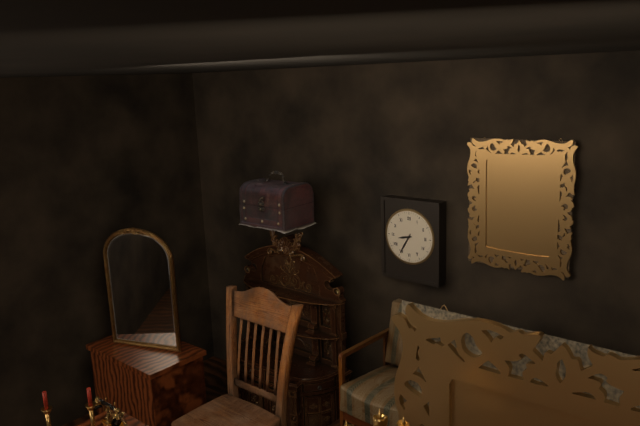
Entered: 8h35
